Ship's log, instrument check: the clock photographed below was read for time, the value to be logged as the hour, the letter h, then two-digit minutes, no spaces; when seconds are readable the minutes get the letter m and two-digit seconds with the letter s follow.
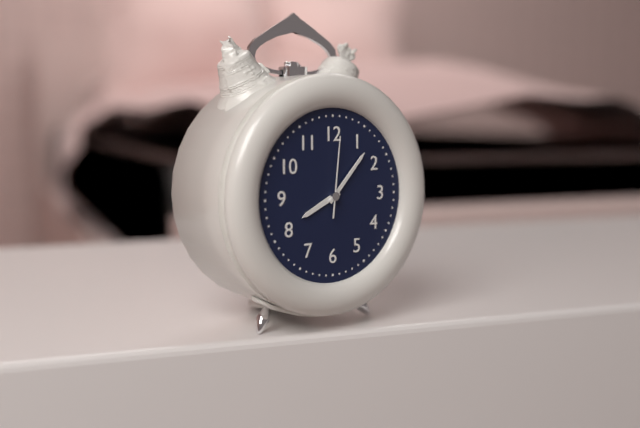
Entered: 8h07m01s
